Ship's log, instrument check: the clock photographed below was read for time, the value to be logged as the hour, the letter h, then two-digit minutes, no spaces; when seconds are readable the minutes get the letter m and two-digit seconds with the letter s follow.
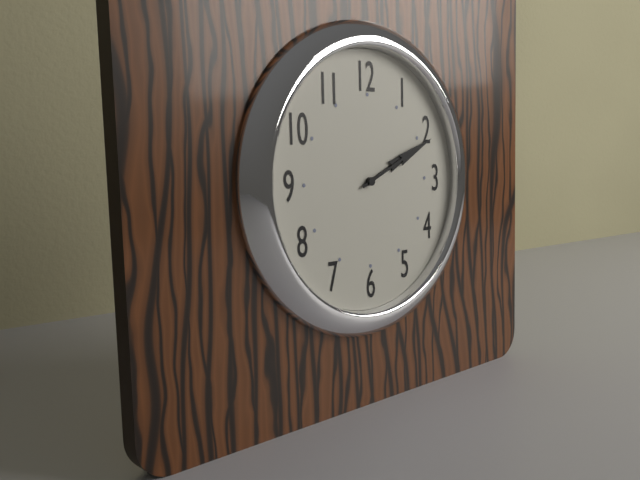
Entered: 2h11
